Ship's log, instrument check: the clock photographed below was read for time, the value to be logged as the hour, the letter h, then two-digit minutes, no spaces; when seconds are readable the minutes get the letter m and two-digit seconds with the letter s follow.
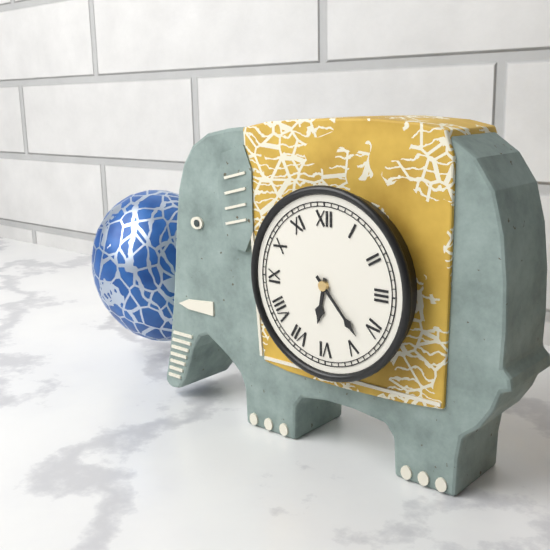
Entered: 6h23
